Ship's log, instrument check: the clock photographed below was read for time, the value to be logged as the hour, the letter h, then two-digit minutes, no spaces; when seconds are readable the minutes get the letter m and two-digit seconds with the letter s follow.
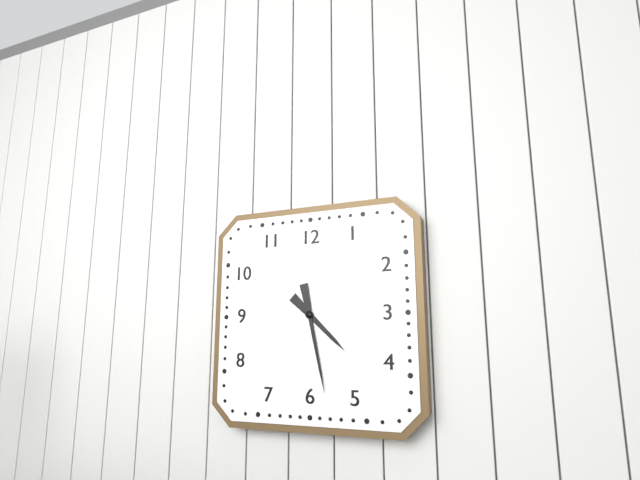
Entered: 4h28
